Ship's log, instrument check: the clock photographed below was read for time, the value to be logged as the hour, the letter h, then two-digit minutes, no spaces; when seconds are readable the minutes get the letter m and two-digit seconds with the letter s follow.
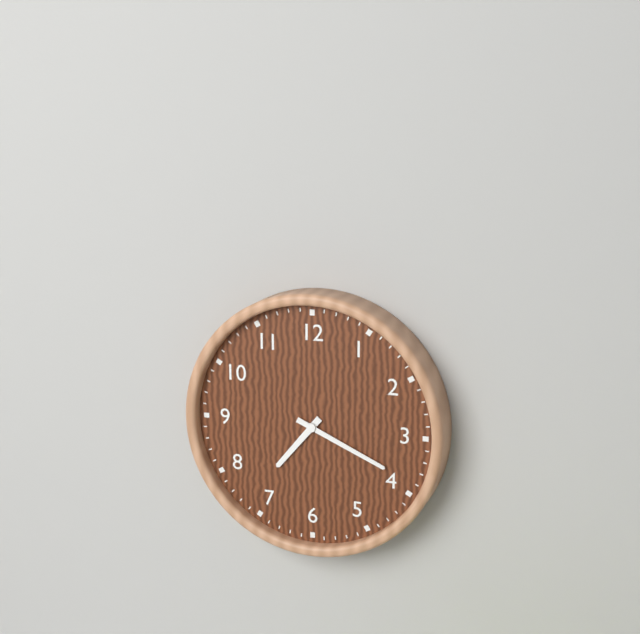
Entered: 7h19
